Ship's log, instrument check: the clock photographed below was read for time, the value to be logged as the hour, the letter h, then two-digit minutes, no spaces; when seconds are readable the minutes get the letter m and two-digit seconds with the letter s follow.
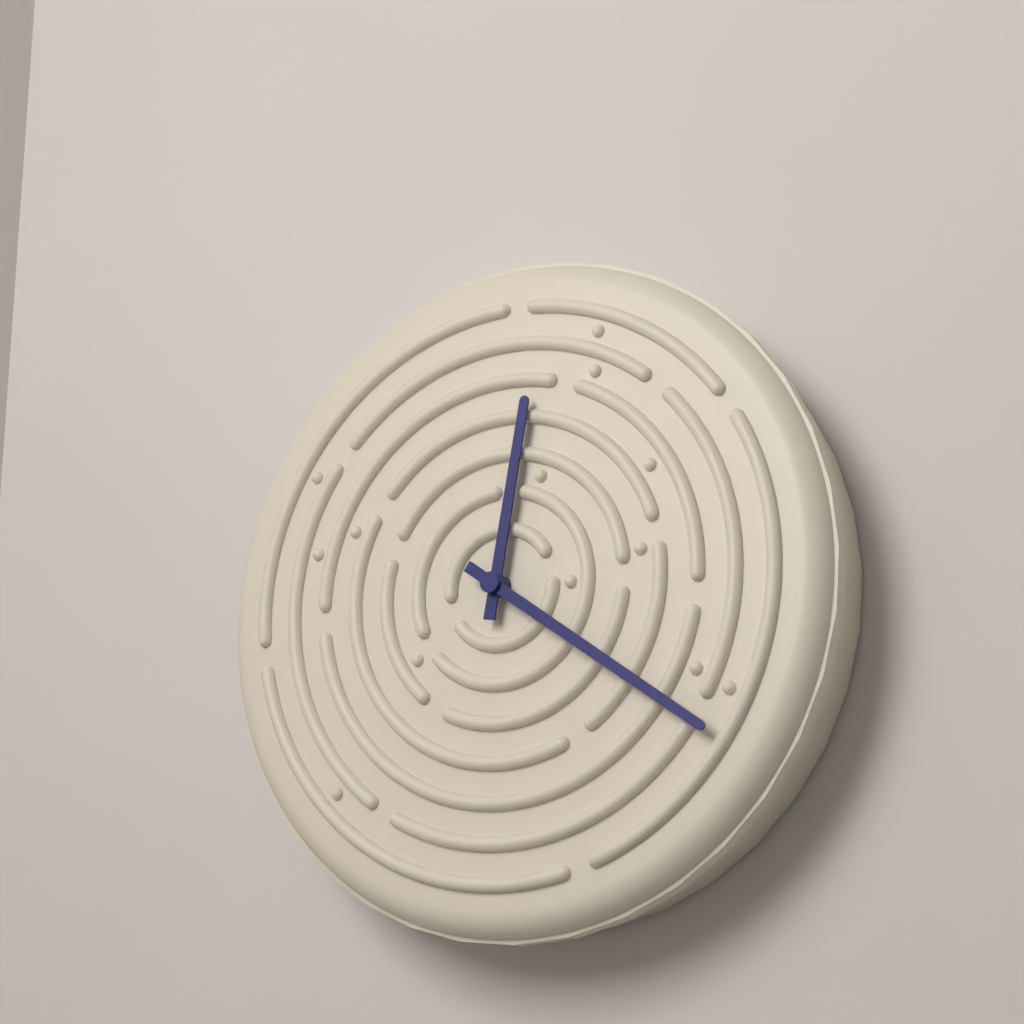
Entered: 12h21
